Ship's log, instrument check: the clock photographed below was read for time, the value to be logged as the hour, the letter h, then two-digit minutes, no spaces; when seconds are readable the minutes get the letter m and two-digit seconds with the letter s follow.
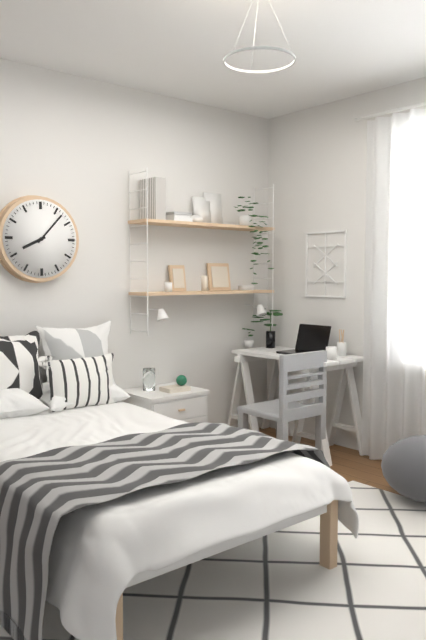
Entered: 8h07
